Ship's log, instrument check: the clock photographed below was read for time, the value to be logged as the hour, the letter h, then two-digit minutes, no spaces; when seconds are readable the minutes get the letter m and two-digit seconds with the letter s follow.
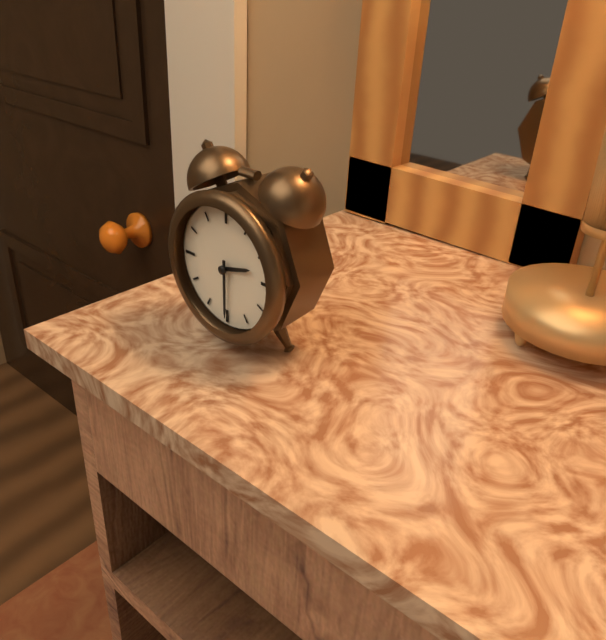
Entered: 2h30
